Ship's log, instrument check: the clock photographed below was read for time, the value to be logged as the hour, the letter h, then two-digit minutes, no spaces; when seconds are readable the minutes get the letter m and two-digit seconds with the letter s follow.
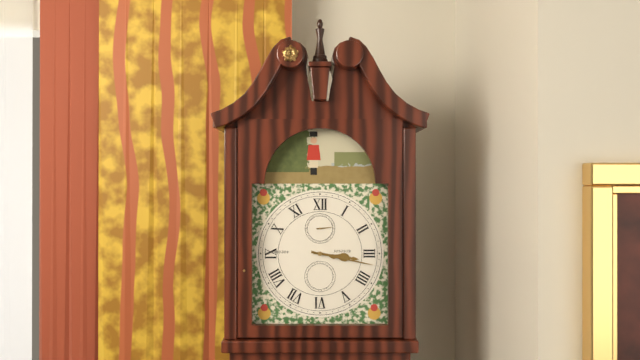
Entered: 3h17
